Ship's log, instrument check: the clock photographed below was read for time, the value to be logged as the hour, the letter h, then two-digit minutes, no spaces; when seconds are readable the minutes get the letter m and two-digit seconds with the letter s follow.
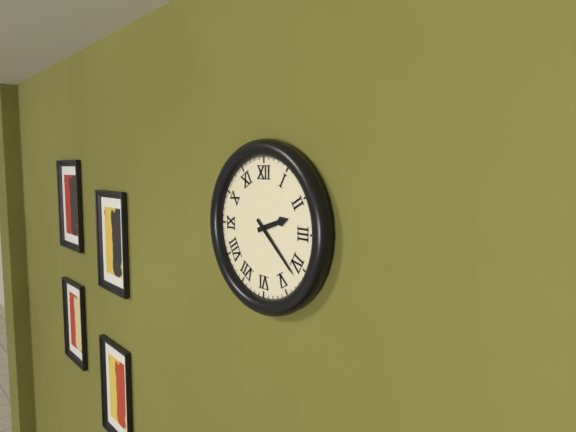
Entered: 2h22
